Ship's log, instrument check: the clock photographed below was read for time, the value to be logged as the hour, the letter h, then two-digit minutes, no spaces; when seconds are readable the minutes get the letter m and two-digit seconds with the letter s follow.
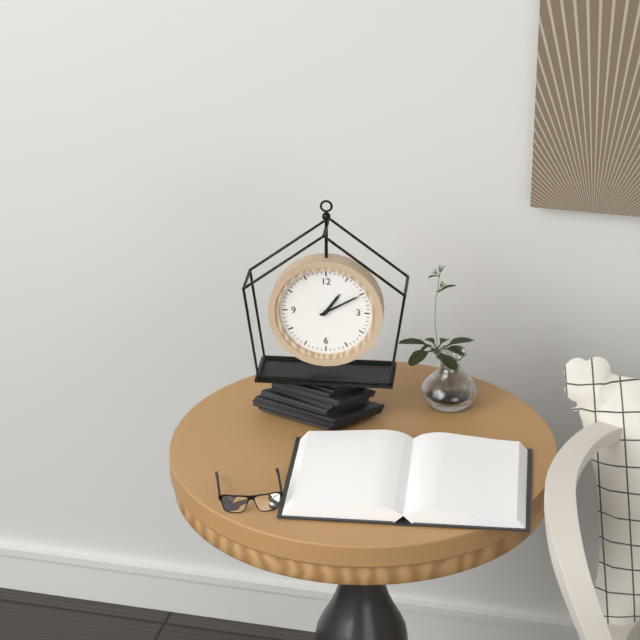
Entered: 1h10
